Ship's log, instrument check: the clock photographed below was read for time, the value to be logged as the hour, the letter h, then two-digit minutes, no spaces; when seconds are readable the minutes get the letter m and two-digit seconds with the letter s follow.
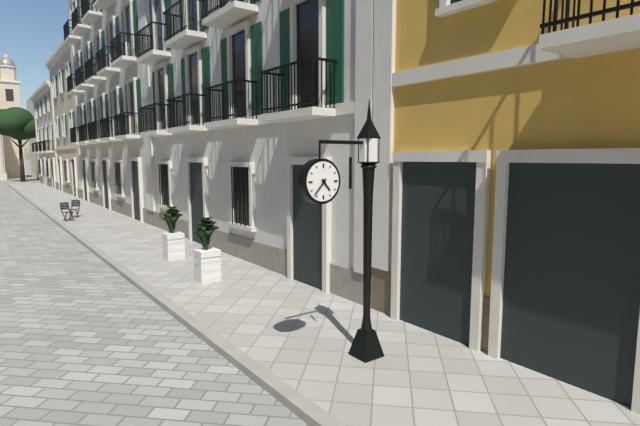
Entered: 4h37
